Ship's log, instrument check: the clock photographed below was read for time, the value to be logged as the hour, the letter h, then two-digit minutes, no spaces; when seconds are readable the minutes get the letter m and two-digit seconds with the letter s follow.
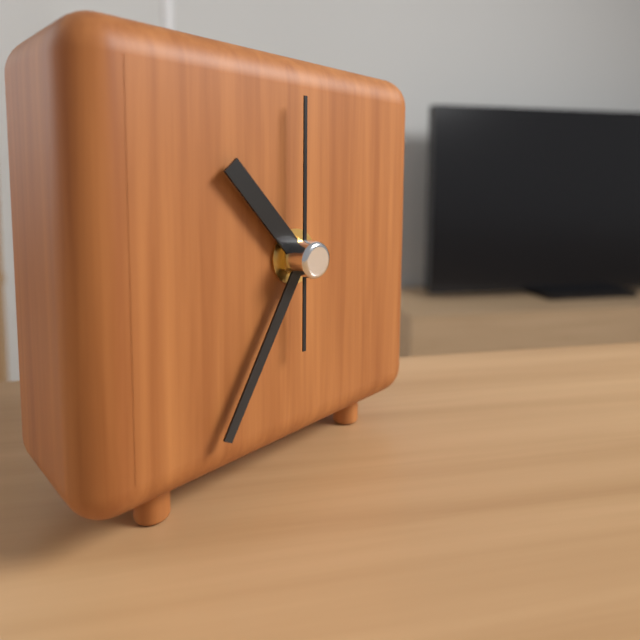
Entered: 10h35m00s
